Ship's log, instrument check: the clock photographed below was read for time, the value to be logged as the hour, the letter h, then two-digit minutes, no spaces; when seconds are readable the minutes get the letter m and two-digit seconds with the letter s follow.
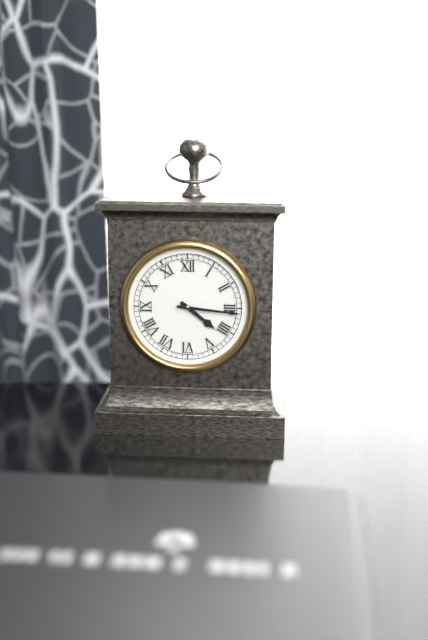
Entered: 4h16
